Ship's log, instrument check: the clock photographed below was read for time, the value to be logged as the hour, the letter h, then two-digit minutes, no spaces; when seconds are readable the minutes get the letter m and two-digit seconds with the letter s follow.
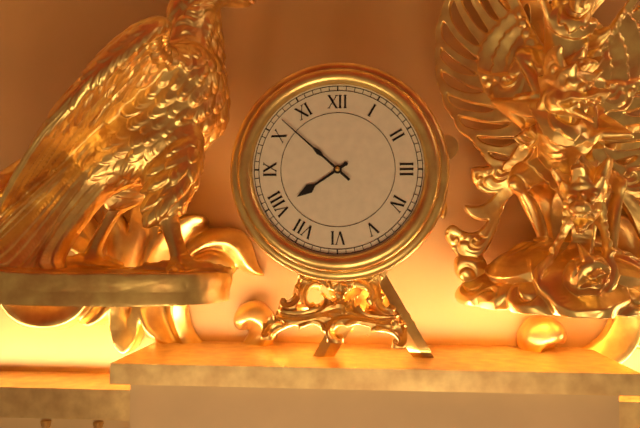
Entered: 7h52
